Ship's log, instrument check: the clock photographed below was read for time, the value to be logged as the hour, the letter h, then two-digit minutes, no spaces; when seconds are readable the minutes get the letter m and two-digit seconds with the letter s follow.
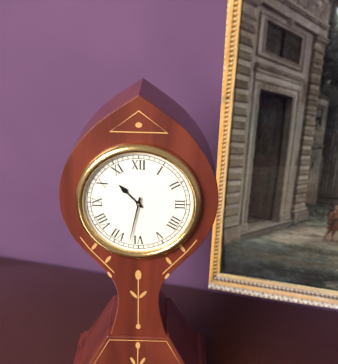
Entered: 10h32
